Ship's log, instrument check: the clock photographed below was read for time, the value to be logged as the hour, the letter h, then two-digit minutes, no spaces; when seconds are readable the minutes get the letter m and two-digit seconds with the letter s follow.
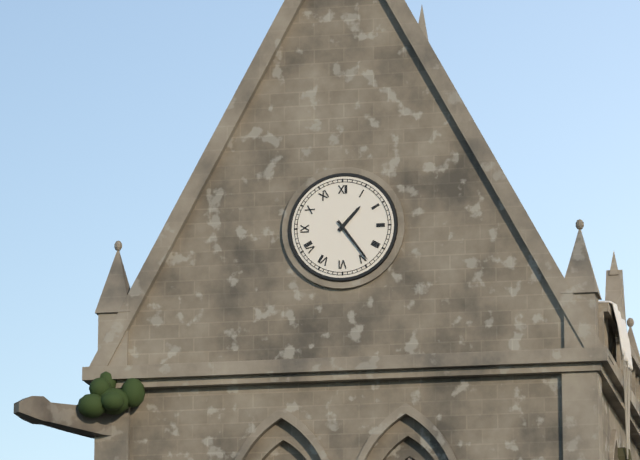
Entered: 1h24
